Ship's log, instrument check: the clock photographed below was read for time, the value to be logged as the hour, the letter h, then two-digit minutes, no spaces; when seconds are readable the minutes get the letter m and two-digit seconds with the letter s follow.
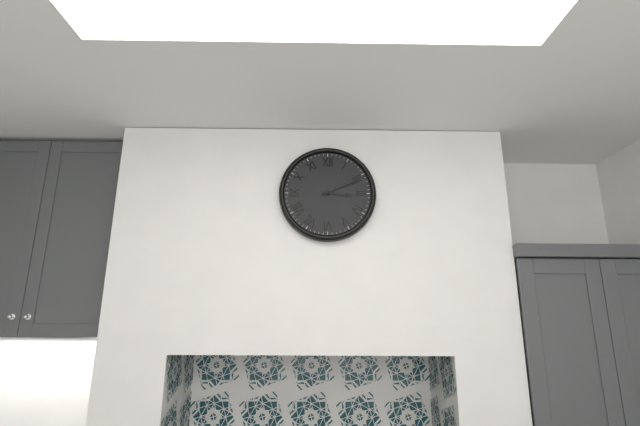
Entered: 3h11
